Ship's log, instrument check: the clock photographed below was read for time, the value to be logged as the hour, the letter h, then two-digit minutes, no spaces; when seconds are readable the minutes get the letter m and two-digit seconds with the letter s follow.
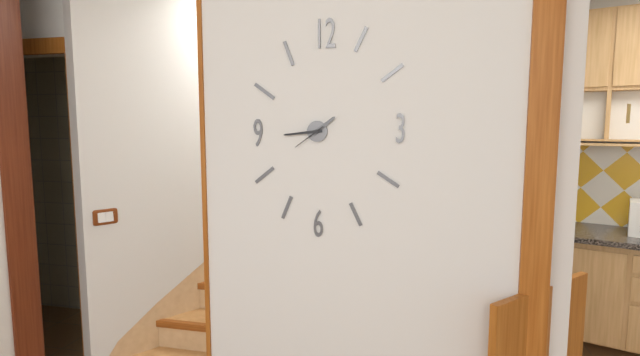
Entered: 1h44
